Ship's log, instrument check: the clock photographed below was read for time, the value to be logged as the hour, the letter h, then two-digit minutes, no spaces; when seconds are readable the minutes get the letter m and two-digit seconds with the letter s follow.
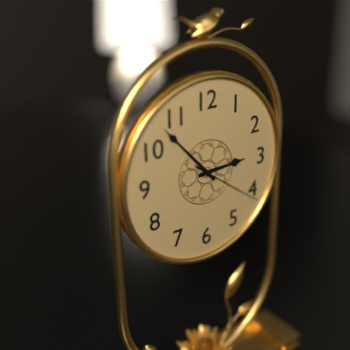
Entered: 2h53m21s
